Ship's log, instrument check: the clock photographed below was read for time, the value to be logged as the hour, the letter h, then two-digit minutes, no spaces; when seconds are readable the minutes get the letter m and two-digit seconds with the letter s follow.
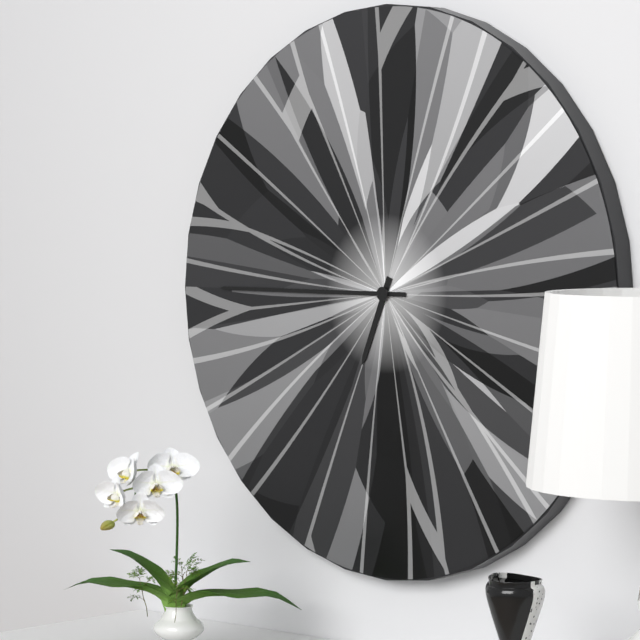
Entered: 6h45
